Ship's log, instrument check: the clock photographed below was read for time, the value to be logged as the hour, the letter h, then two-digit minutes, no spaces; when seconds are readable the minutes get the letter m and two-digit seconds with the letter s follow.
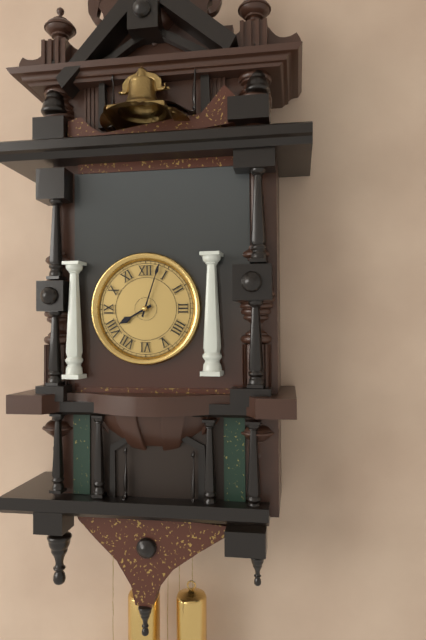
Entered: 8h03
